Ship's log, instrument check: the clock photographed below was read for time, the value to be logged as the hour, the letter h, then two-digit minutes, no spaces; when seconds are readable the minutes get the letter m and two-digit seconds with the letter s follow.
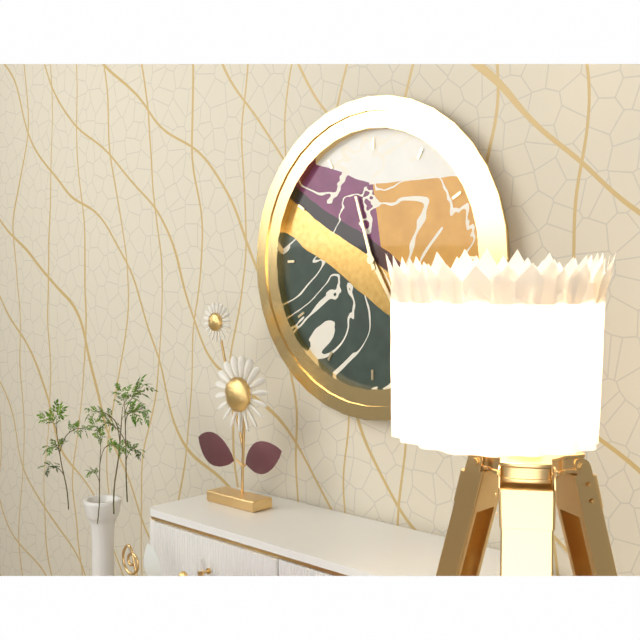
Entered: 4h57
